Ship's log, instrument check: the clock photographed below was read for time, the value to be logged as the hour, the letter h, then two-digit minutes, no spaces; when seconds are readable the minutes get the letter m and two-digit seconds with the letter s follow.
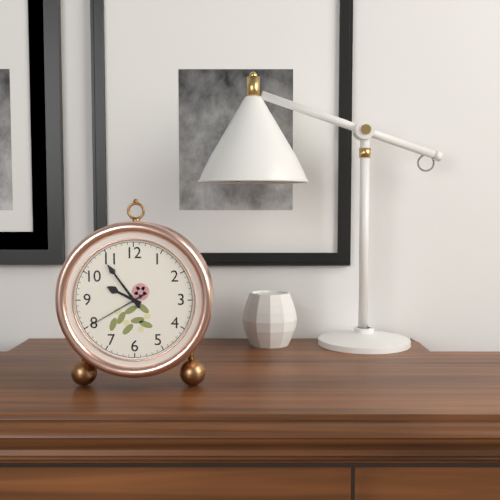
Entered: 9h54m40s
